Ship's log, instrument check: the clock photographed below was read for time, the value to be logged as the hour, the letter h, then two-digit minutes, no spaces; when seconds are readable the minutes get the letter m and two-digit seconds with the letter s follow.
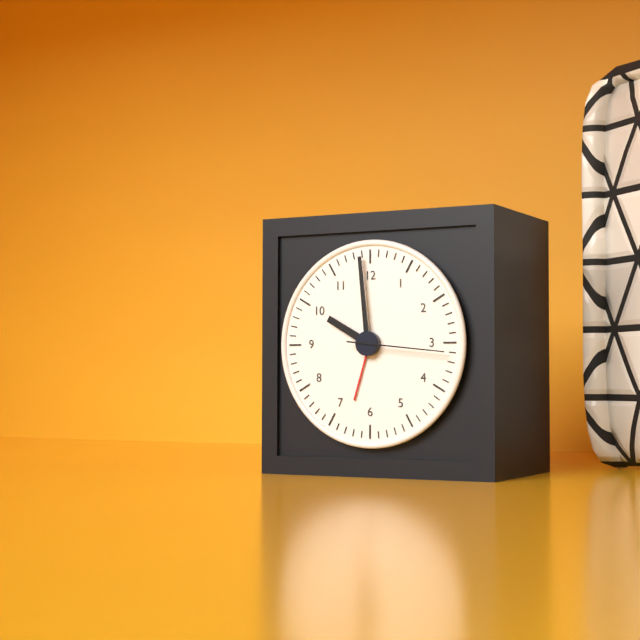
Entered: 9h59m16s
